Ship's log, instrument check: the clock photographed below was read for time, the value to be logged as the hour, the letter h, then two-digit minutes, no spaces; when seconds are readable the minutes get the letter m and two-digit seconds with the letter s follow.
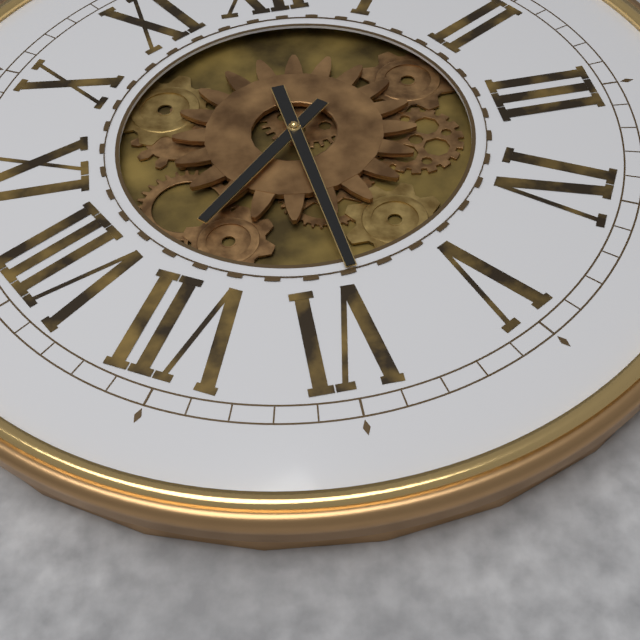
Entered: 7h29
